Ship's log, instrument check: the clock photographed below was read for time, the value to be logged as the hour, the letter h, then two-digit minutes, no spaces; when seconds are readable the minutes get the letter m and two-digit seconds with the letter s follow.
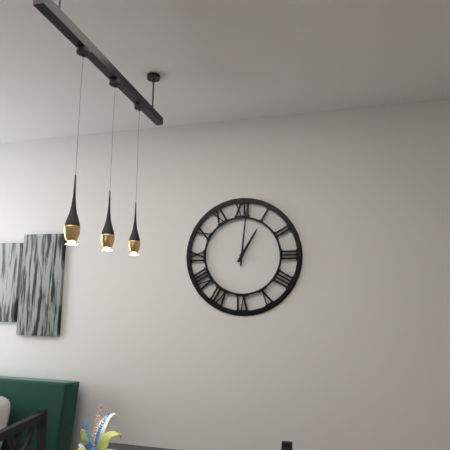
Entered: 1h01
